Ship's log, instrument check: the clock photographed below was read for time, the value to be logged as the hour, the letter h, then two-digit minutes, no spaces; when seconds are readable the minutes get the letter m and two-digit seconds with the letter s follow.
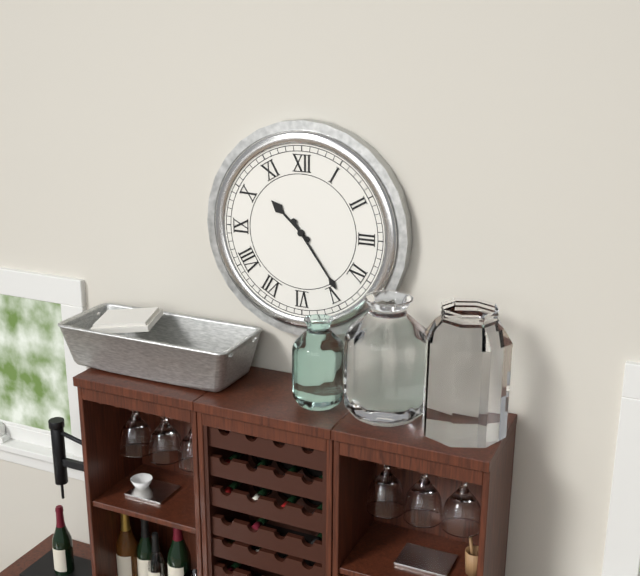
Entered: 10h24
